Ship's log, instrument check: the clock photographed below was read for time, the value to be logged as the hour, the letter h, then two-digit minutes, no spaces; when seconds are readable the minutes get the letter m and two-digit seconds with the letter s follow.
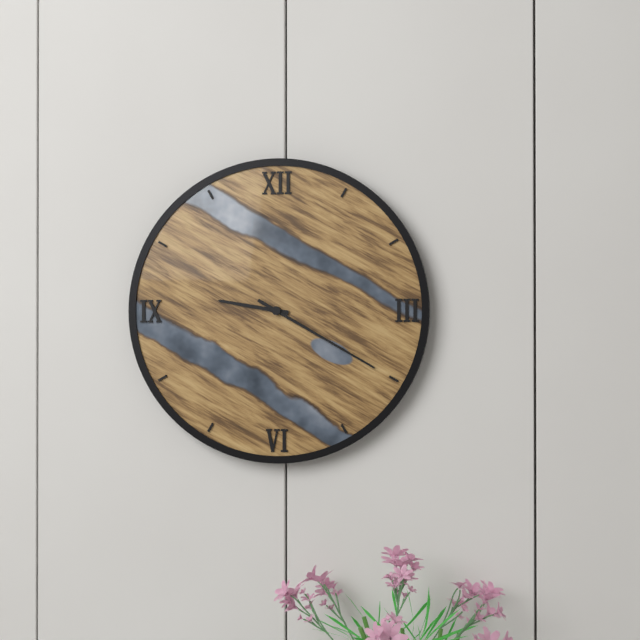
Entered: 9h20
